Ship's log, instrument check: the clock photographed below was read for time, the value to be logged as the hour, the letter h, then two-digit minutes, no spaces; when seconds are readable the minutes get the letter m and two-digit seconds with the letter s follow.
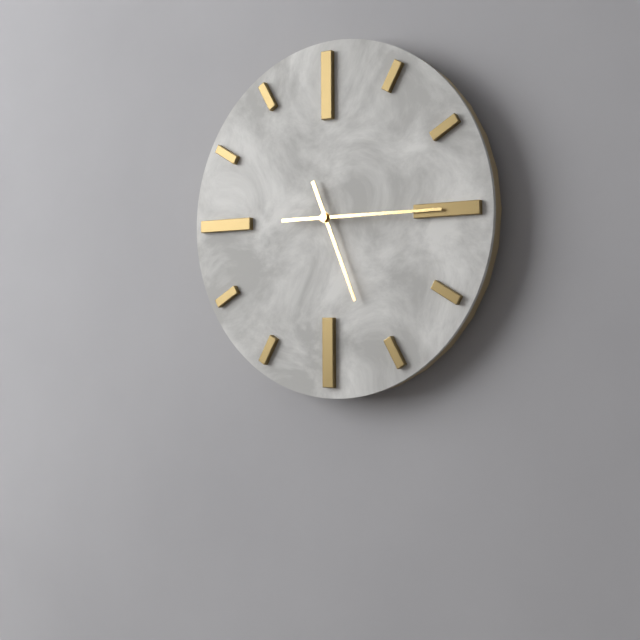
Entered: 5h15
